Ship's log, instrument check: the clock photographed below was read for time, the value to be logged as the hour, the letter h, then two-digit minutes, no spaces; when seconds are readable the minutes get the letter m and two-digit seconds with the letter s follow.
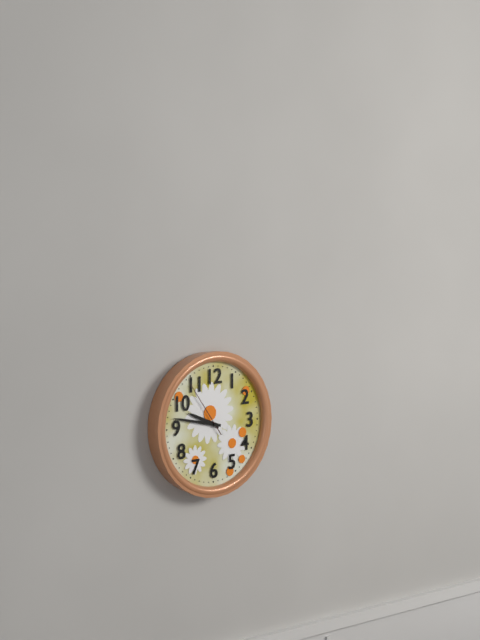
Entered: 9h47m54s
